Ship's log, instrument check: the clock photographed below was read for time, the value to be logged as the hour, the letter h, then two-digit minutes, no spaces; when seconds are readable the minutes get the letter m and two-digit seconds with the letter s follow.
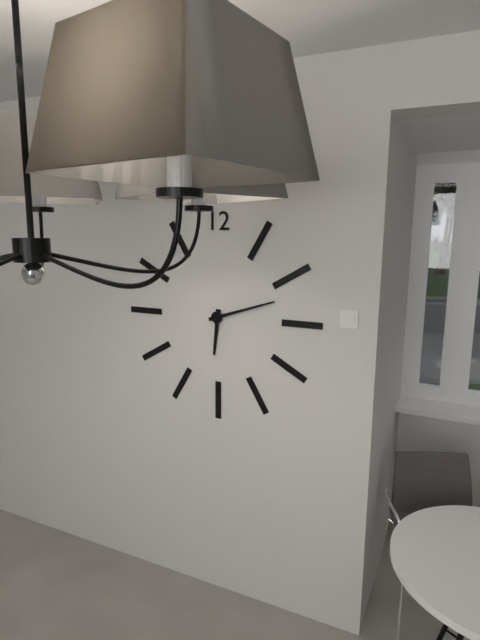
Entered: 6h12
